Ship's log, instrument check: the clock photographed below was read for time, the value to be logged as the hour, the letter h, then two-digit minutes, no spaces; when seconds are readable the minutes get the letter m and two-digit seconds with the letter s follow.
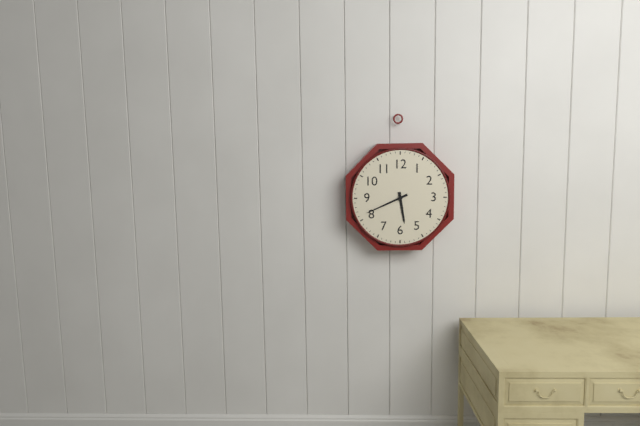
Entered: 5h41
